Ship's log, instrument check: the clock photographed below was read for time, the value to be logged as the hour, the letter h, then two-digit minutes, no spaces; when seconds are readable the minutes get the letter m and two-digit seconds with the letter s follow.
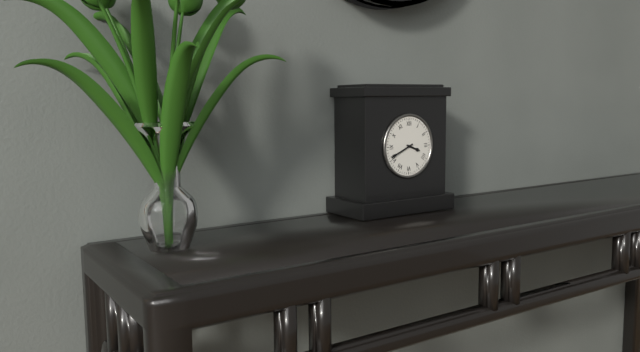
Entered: 3h41
